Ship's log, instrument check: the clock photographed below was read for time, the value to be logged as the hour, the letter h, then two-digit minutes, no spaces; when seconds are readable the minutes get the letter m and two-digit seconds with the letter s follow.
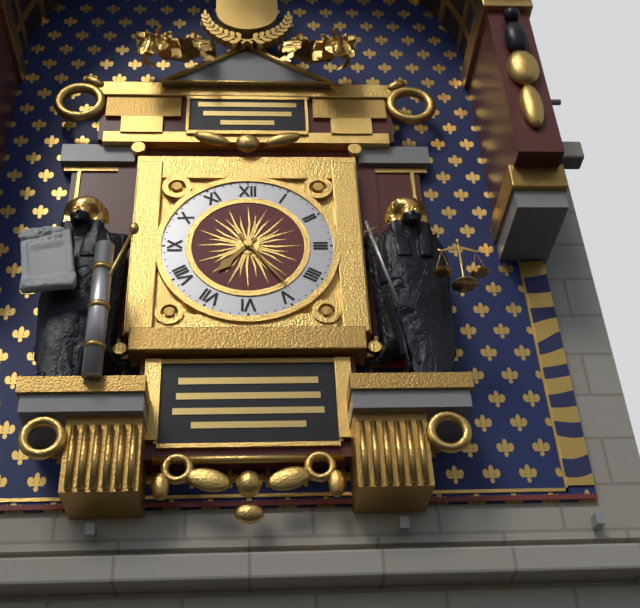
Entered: 7h24
